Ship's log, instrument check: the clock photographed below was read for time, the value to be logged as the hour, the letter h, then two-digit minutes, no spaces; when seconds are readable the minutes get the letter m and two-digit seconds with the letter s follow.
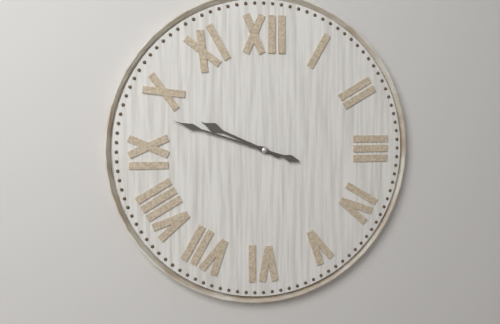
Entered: 9h48
